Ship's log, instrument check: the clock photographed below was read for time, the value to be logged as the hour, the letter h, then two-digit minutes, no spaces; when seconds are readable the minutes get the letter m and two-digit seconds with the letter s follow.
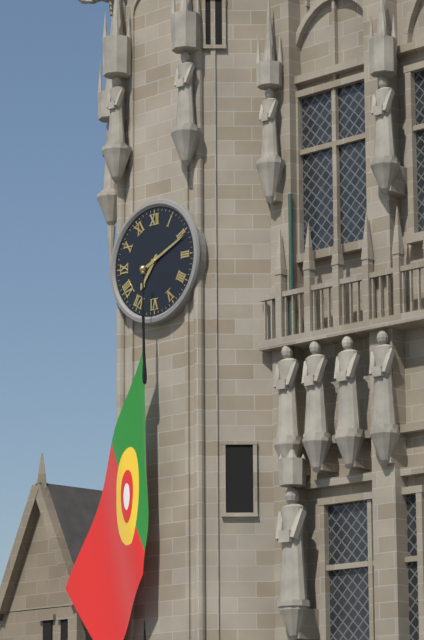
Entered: 7h11
